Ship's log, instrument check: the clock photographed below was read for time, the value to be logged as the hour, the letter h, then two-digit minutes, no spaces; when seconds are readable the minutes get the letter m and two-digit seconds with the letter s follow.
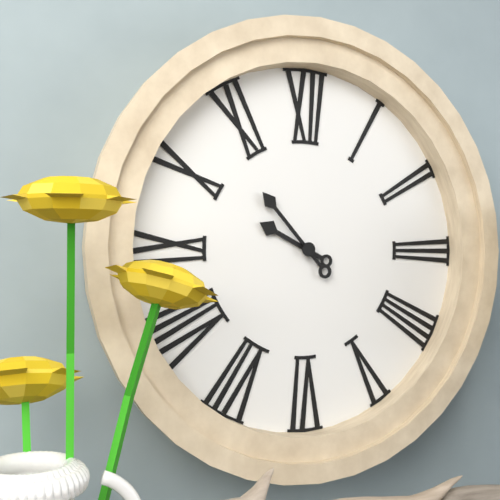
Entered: 9h53
